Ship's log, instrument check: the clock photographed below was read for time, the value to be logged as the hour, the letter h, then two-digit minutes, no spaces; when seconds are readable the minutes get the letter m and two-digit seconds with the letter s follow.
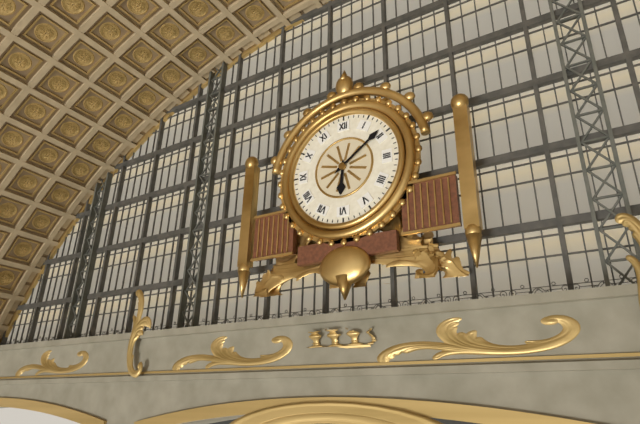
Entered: 6h09
